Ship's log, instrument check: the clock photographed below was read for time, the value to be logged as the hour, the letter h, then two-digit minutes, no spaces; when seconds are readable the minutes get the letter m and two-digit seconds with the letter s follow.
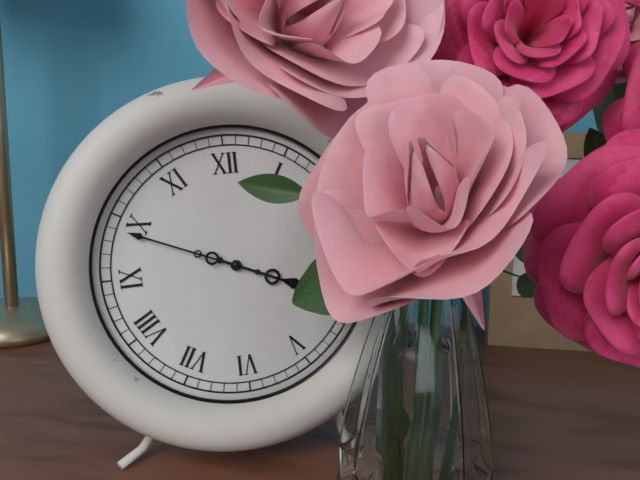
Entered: 3h49
